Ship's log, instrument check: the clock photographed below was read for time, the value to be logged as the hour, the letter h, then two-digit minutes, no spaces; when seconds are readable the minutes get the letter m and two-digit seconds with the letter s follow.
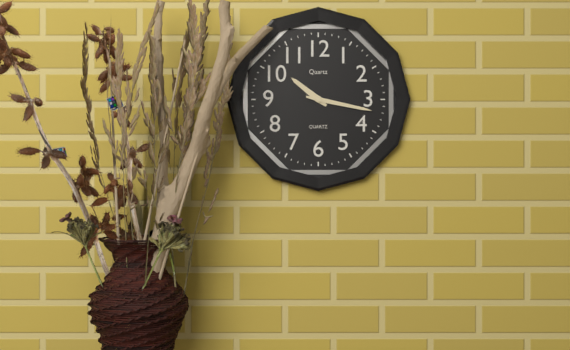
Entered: 10h17
